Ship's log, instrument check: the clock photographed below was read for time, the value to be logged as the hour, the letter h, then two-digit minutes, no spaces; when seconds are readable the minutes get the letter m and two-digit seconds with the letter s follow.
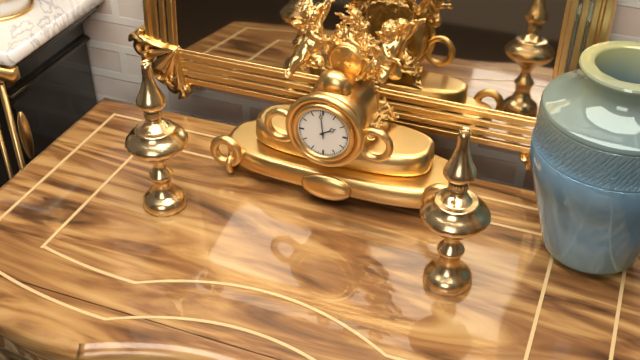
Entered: 1h59
